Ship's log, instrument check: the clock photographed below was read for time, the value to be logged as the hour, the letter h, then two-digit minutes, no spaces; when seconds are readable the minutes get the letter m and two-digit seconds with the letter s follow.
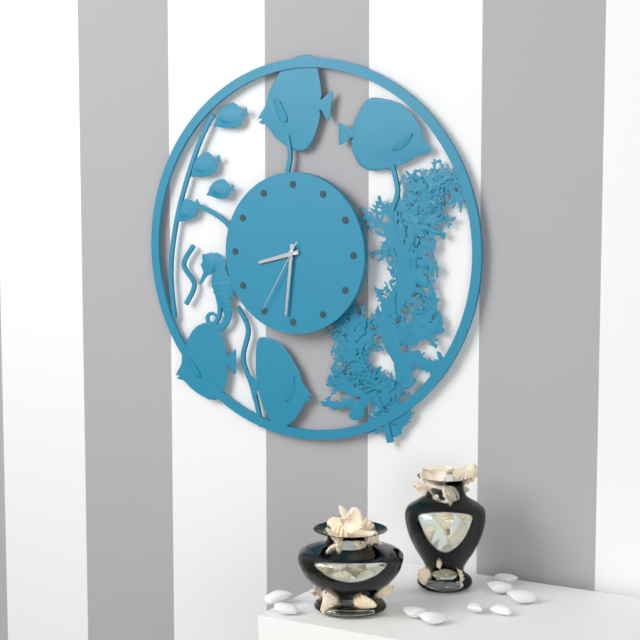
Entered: 8h31m35s
